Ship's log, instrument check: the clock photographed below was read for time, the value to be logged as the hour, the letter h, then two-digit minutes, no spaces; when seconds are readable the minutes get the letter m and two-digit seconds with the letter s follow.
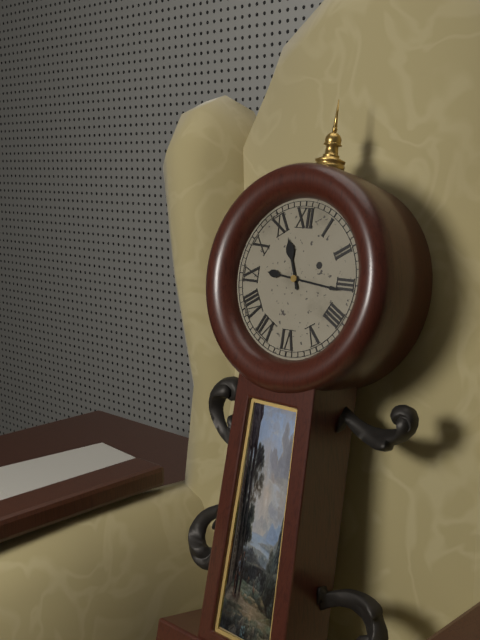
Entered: 11h16
